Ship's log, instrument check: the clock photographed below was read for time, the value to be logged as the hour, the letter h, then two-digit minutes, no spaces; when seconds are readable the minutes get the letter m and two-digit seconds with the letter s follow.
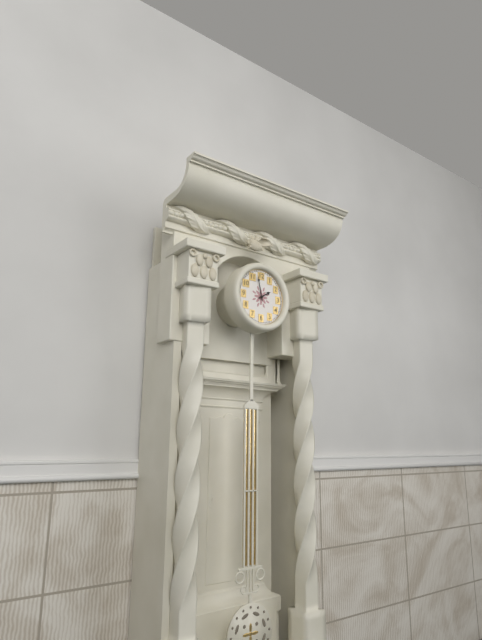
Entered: 1h58
